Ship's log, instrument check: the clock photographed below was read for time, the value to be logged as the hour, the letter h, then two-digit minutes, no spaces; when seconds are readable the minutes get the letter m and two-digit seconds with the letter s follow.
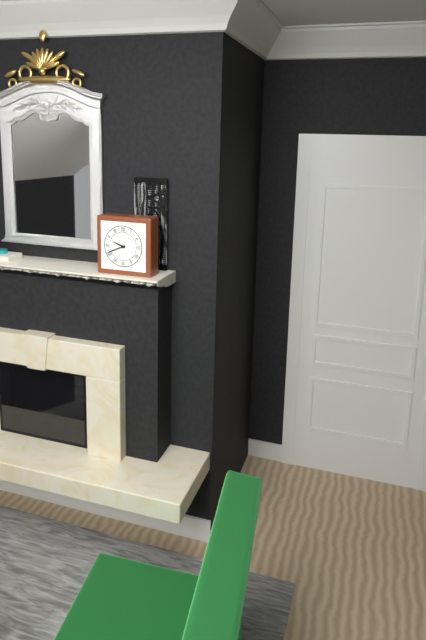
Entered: 9h41
